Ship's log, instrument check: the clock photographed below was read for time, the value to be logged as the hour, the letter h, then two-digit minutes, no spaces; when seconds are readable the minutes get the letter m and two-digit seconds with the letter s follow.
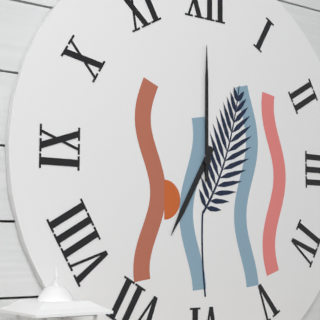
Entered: 7h00
